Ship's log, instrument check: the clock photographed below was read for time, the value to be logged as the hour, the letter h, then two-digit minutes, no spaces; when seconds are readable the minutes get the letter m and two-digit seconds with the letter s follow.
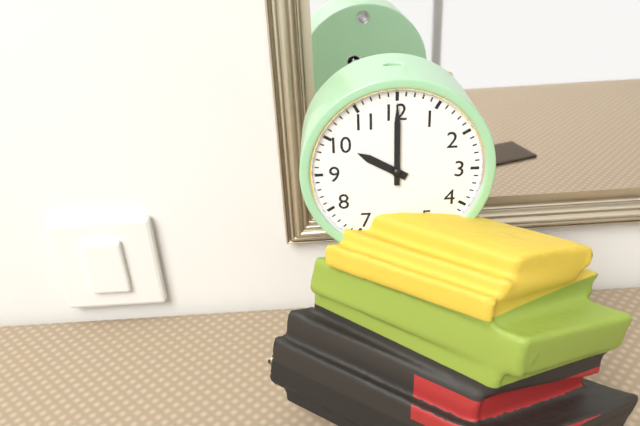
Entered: 10h00
